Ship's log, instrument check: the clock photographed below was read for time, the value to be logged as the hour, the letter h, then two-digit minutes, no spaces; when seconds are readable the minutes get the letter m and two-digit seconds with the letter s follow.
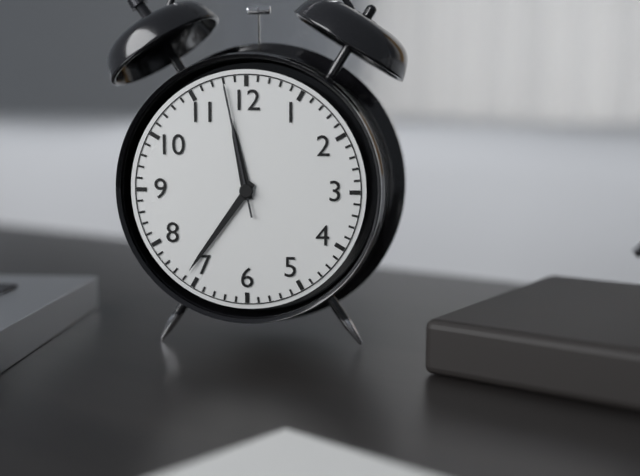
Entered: 11h36m58s
